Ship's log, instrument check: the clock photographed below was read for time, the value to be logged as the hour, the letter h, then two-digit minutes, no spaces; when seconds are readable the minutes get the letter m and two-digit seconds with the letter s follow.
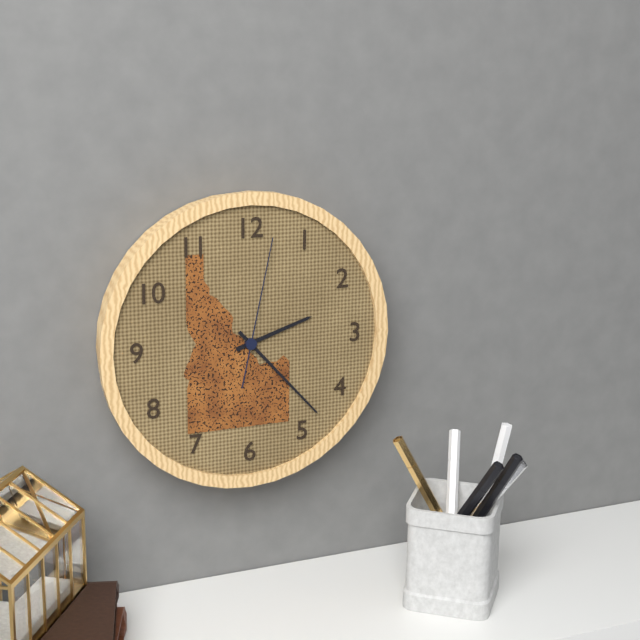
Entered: 2h23m02s
